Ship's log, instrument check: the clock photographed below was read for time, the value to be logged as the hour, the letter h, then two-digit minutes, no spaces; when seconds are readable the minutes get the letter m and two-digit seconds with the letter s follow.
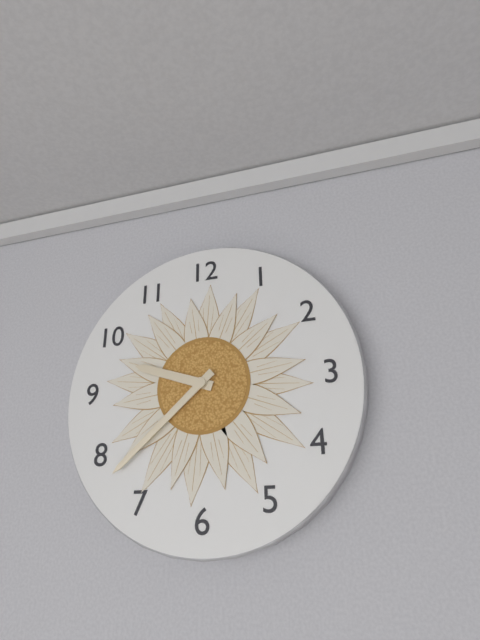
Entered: 9h38
